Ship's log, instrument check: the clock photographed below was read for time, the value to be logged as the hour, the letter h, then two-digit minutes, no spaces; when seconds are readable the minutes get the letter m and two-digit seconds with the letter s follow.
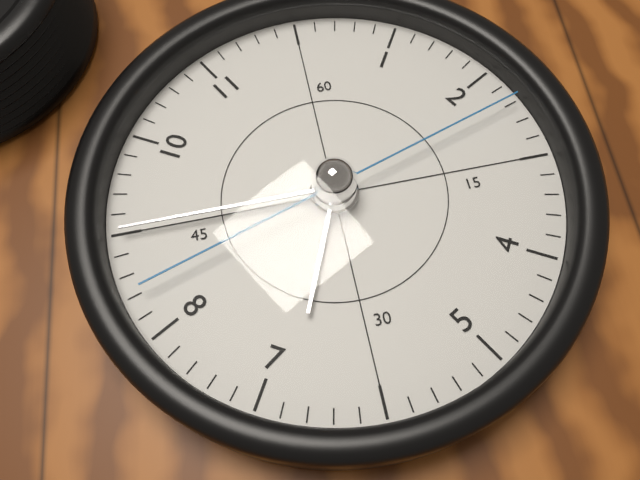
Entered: 6h45m12s
